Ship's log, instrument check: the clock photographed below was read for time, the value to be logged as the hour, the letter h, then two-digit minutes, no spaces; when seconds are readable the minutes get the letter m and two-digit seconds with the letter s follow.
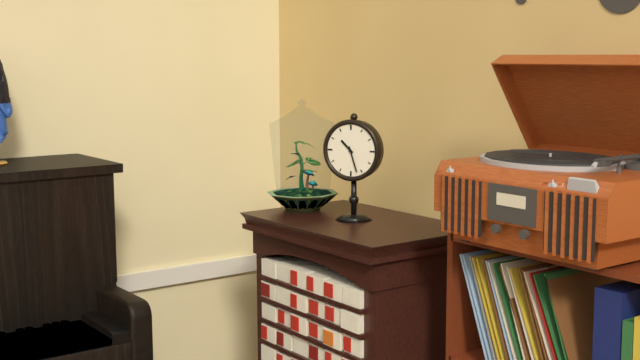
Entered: 10h27
